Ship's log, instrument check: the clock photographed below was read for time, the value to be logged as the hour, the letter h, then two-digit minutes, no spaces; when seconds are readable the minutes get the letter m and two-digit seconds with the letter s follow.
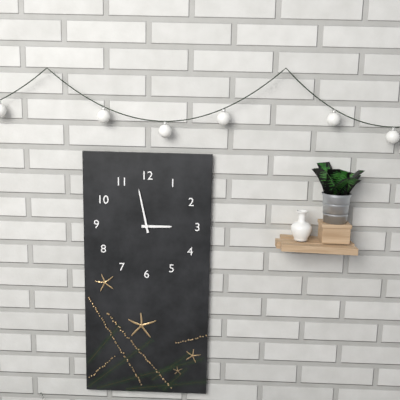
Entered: 2h58
